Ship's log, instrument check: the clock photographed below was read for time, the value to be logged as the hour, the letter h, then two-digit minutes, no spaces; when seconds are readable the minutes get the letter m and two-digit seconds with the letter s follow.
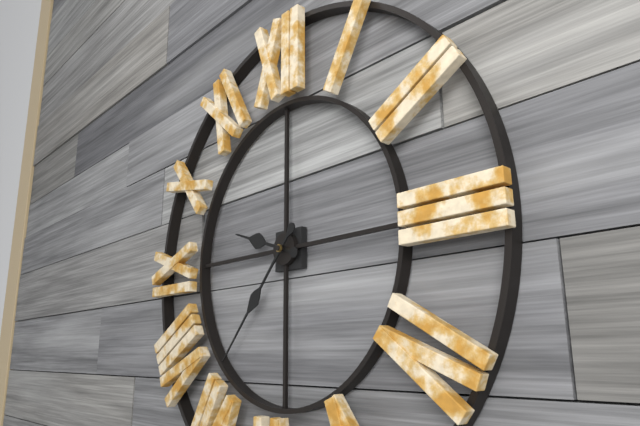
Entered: 9h37
